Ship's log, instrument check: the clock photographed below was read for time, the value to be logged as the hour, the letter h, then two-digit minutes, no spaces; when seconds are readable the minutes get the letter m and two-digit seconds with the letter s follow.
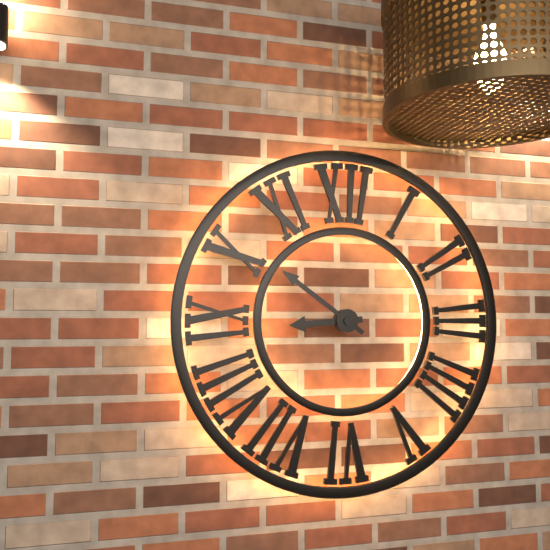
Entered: 8h51
